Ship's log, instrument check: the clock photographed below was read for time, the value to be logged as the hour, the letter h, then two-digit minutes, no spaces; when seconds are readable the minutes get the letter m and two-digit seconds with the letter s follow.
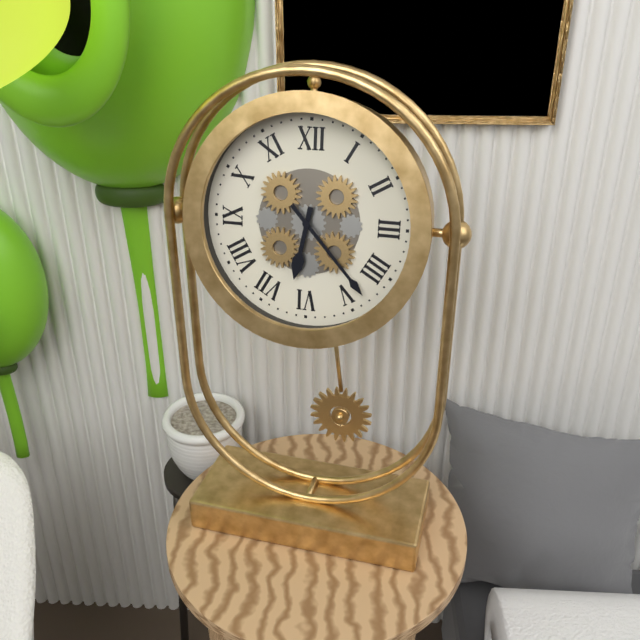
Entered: 6h23
